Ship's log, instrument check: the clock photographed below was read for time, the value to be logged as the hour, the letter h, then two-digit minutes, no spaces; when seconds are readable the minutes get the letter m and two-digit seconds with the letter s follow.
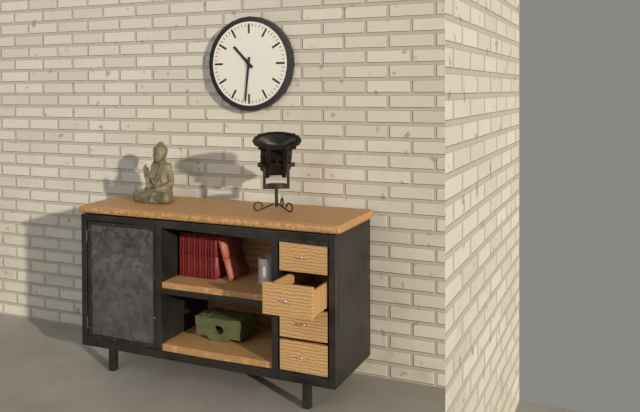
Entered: 10h31
